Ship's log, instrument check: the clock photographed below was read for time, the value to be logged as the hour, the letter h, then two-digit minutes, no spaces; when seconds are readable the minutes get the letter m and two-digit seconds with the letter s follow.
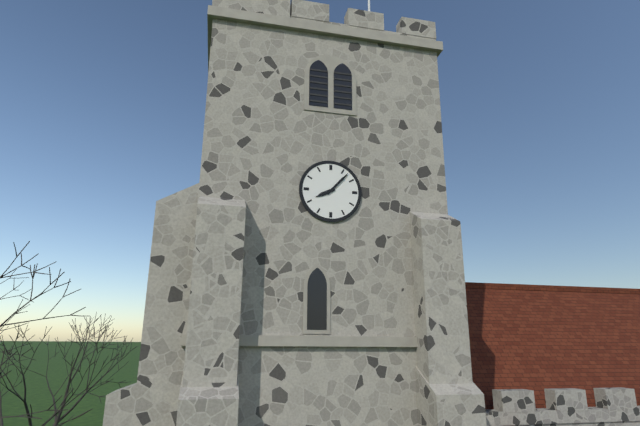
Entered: 8h07
